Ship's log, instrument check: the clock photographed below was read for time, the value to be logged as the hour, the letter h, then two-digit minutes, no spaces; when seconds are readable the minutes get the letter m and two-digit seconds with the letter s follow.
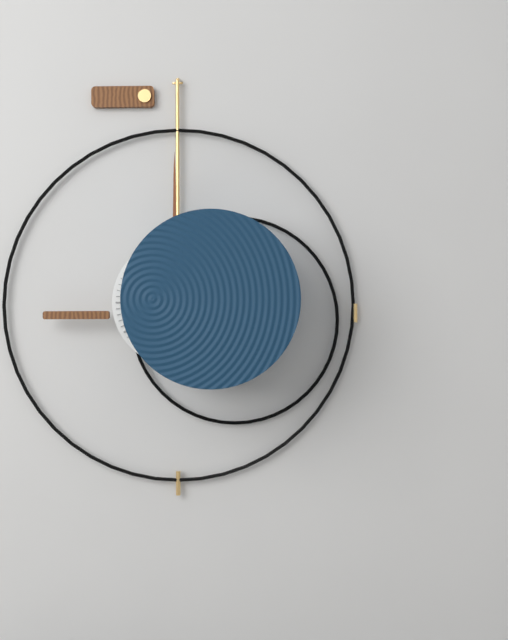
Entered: 1h00
